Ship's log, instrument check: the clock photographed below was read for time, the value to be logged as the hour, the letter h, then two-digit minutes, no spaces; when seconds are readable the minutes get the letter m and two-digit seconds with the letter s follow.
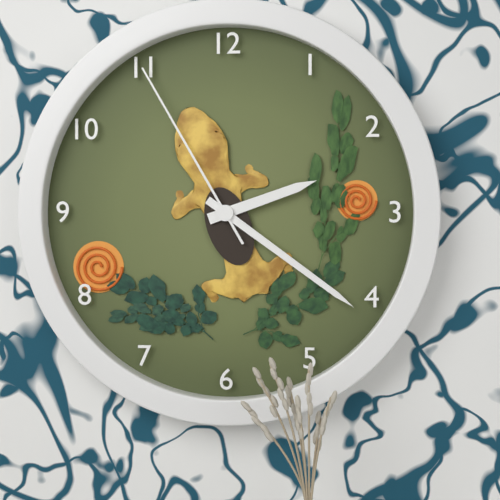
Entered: 2h21m55s
